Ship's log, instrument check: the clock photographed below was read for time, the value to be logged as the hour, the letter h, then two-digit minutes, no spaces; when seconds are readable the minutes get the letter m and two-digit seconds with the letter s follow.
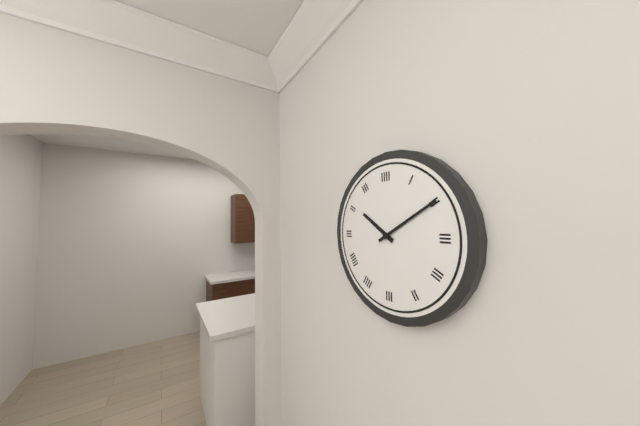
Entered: 10h10
